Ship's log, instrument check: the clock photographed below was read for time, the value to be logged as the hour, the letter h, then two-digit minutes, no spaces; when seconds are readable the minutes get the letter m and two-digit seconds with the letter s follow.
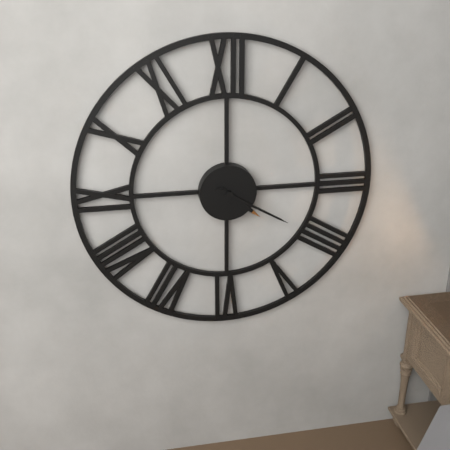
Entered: 4h20
